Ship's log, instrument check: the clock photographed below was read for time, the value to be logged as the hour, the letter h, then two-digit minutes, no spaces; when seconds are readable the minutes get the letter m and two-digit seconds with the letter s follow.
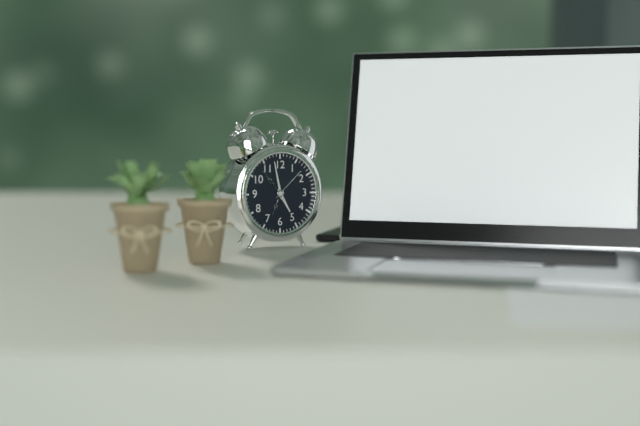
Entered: 4h58
